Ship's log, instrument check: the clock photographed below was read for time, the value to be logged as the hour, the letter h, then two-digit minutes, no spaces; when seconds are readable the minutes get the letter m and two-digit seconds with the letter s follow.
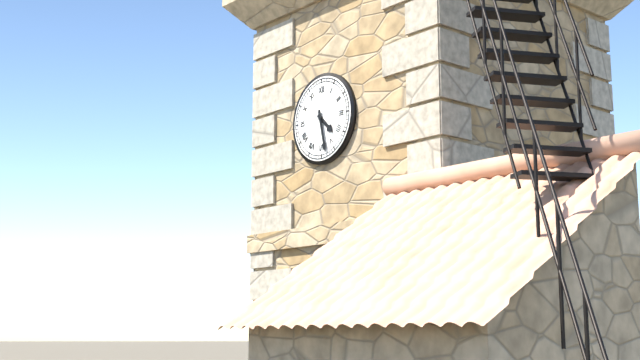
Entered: 4h28
